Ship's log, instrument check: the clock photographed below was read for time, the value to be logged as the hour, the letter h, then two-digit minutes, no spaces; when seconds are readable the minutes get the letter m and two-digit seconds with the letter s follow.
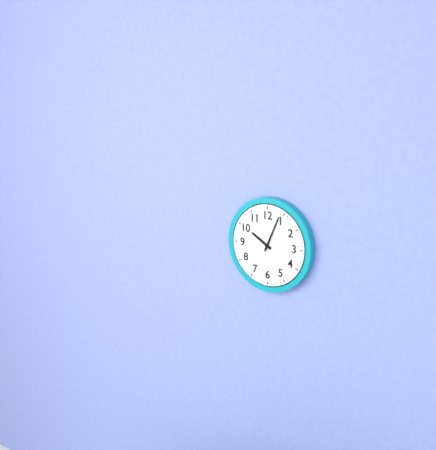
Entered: 10h04
